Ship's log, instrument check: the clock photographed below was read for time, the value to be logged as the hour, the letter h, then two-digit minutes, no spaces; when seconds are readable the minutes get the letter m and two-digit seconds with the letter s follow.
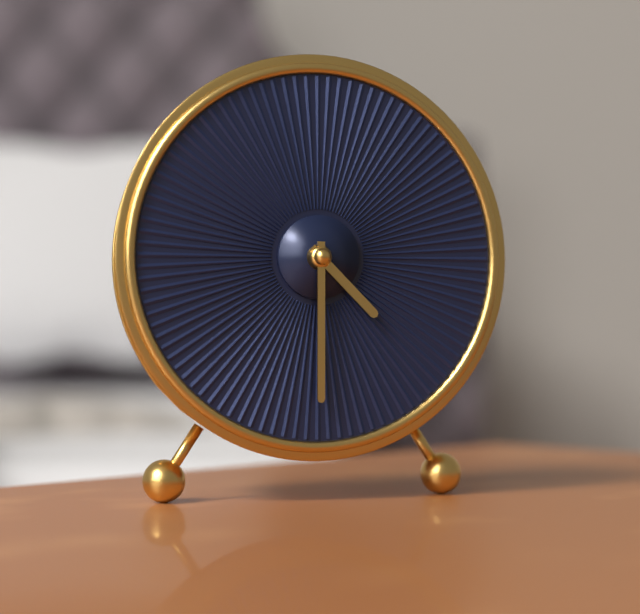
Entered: 4h30
